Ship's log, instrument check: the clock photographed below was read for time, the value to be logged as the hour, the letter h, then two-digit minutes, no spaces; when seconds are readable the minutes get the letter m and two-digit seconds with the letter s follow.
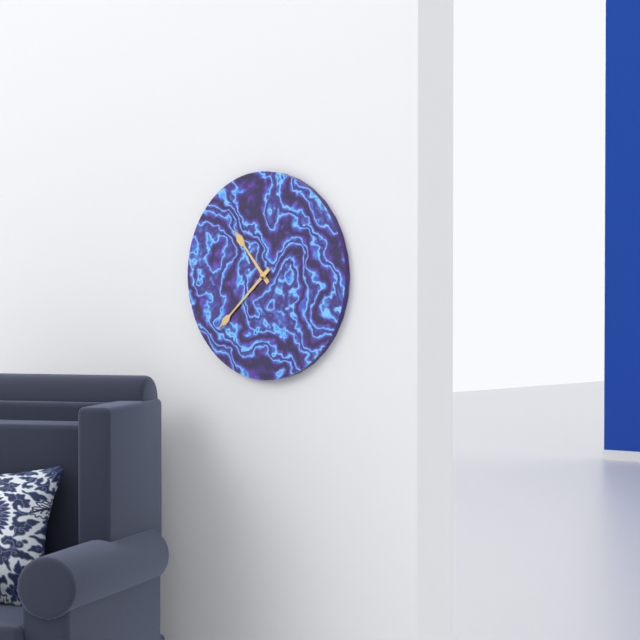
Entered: 10h38
